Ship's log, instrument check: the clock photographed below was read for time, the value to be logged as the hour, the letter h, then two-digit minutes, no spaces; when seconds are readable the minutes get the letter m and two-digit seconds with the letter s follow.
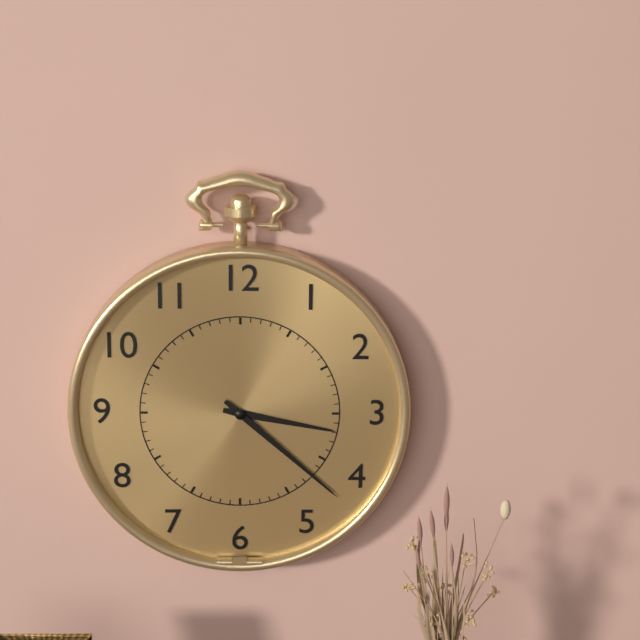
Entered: 3h22
